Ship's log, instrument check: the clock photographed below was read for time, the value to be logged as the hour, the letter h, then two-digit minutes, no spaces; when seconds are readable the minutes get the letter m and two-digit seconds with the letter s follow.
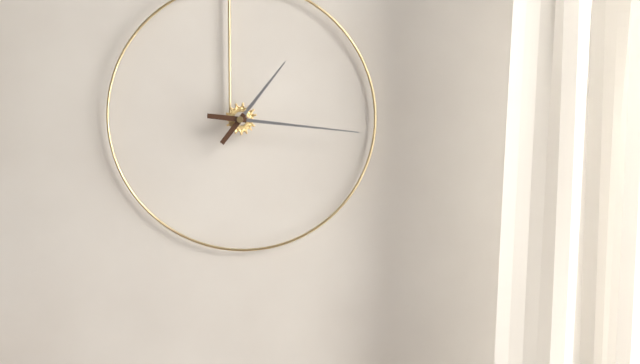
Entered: 1h16
